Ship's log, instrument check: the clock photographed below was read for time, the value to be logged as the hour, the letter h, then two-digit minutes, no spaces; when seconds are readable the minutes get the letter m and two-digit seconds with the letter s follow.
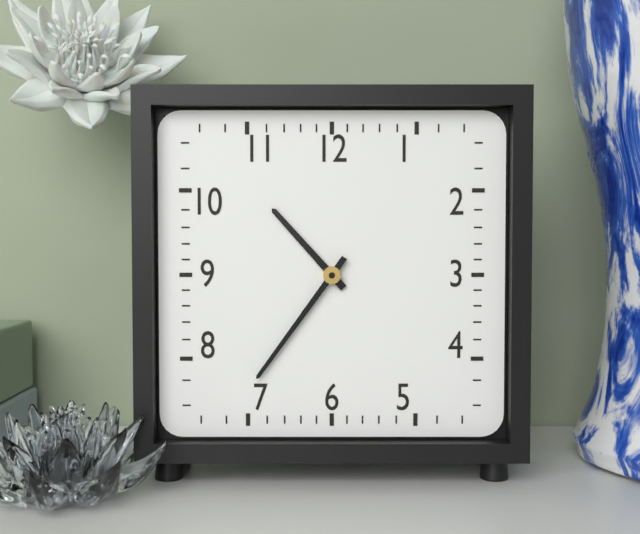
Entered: 10h36
